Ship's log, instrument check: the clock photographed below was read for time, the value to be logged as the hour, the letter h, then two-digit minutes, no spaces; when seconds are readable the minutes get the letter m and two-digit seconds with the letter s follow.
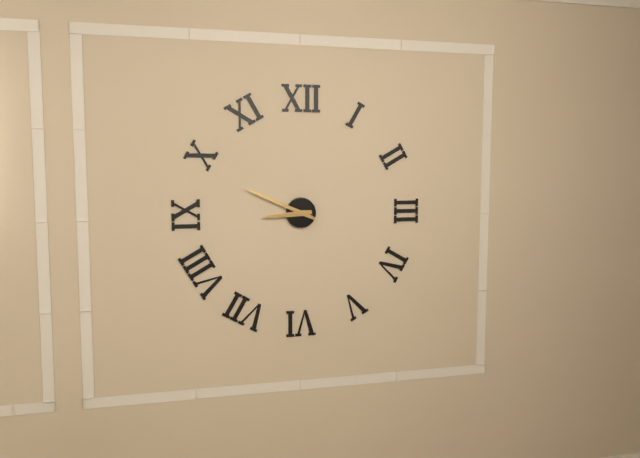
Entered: 8h49
